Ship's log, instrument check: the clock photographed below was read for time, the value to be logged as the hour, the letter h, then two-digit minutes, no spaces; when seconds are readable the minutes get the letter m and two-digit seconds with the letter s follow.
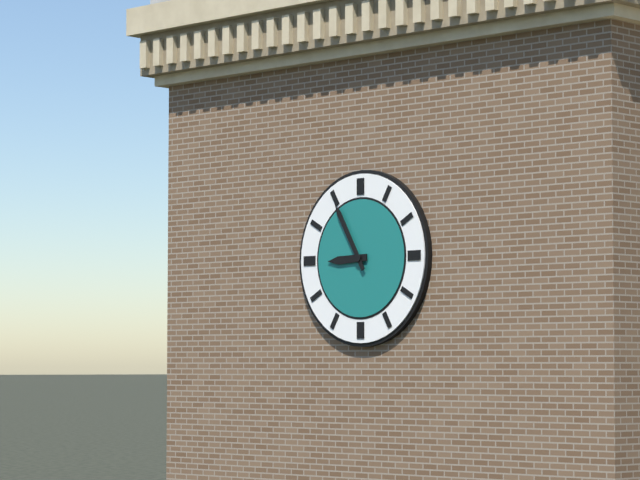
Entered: 8h55
